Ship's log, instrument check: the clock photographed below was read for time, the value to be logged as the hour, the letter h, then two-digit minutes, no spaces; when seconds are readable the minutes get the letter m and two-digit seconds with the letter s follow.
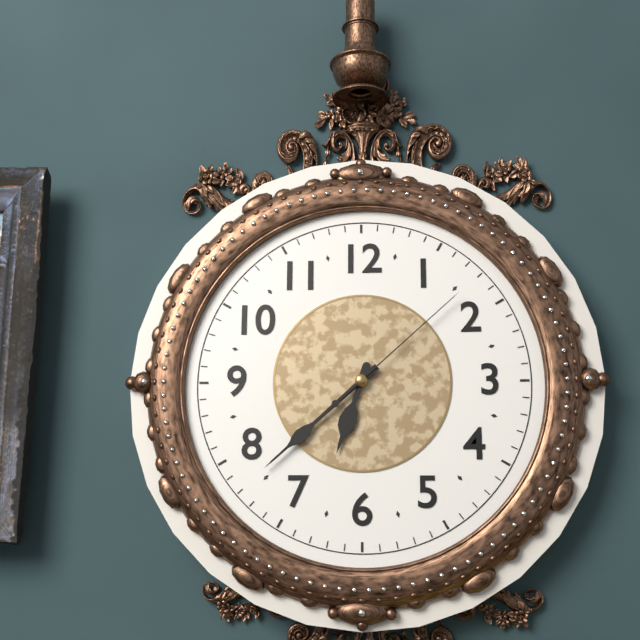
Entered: 6h38m08s
